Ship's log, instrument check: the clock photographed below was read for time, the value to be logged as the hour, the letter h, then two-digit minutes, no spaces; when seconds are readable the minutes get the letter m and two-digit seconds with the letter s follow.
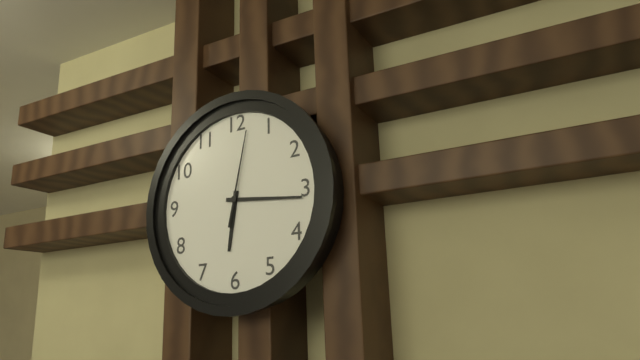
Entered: 6h16m02s
